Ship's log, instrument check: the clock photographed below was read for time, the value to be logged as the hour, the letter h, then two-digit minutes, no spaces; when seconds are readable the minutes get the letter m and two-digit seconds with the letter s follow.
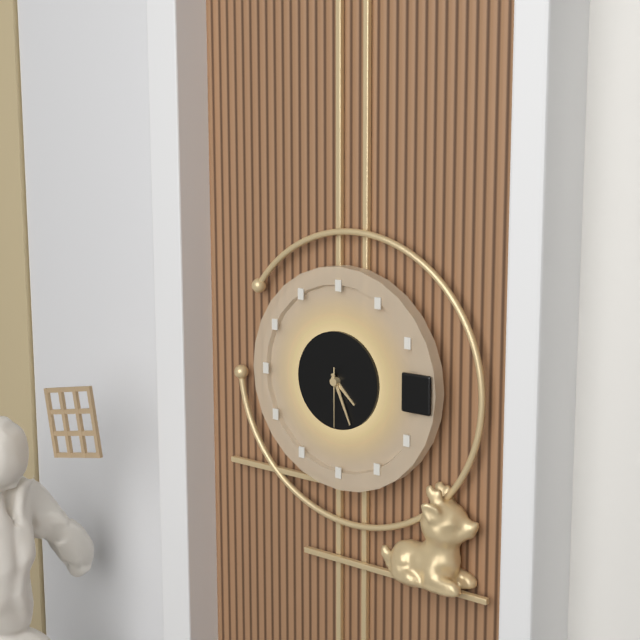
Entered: 4h26m30s
